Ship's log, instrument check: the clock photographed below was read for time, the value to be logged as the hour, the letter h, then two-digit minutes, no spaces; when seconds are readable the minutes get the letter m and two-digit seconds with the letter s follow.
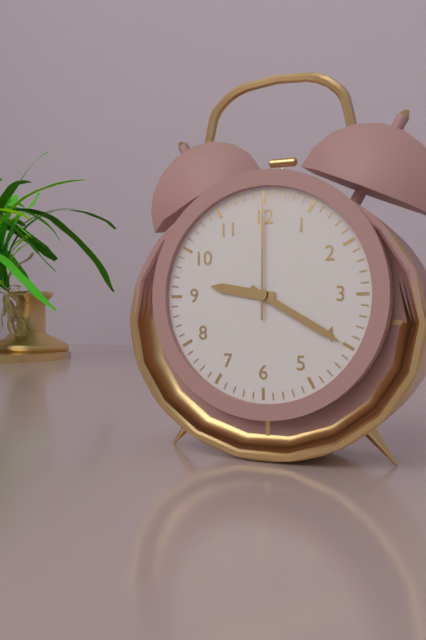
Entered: 9h20m00s
